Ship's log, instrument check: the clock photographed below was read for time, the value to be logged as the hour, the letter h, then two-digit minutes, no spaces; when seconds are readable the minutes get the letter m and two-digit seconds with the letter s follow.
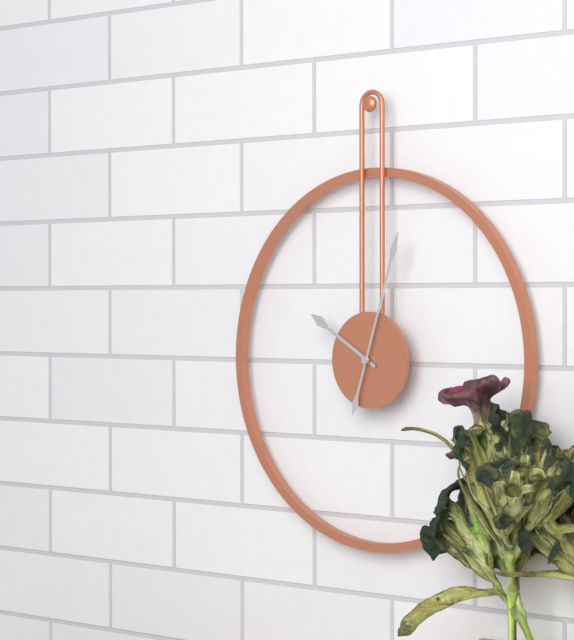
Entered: 10h03
